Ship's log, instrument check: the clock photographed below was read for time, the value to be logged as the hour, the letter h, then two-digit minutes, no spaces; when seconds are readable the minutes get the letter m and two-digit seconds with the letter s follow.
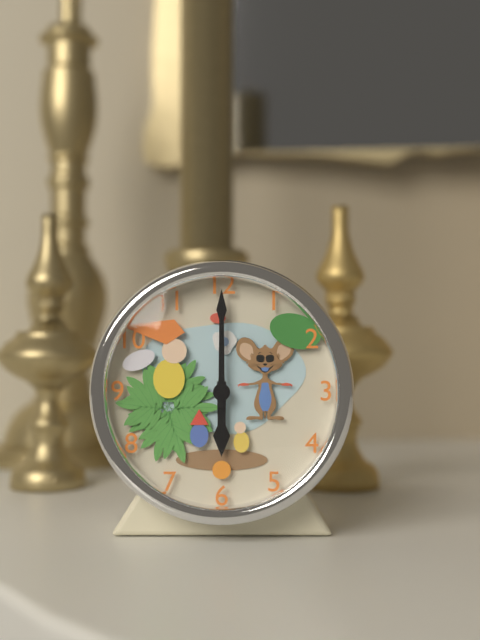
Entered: 6h00
